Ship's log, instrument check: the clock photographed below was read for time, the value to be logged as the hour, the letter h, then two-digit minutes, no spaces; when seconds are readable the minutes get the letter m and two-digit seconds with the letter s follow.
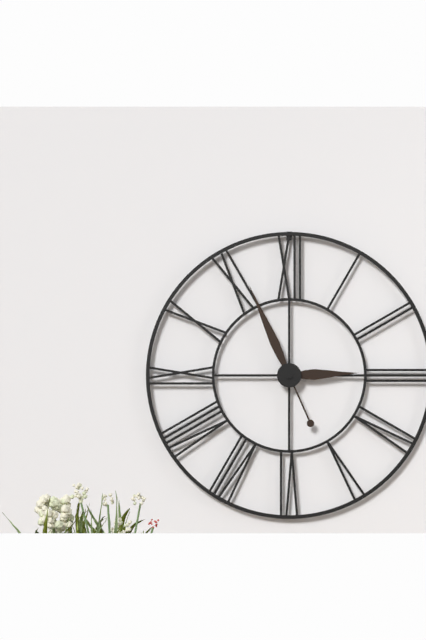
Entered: 2h56
